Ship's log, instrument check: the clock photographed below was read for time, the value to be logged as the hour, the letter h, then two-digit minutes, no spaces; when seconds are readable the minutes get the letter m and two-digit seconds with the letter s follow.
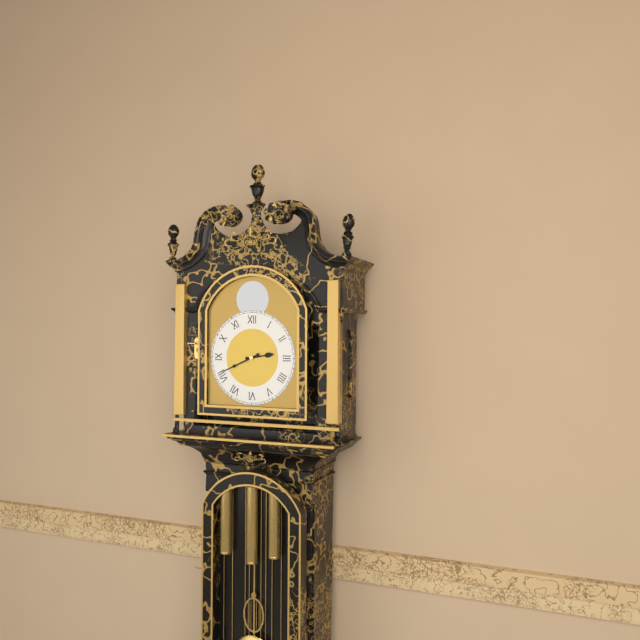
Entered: 2h41
